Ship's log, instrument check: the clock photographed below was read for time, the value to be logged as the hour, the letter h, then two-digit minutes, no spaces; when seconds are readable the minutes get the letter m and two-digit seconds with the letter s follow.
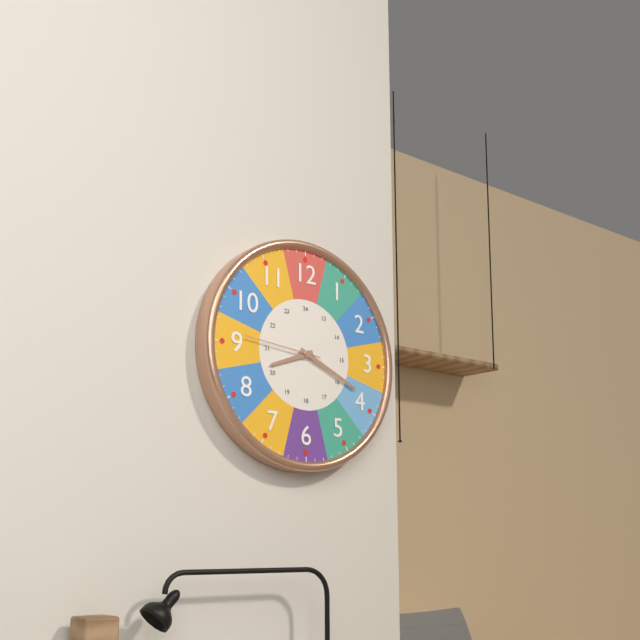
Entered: 8h19m46s
